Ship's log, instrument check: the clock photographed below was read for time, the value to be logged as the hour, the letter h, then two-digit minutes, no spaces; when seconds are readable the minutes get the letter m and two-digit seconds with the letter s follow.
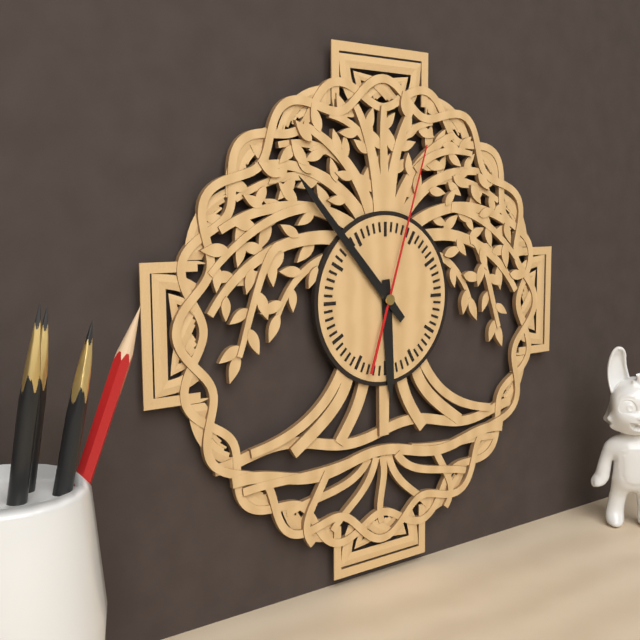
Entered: 5h53m03s
